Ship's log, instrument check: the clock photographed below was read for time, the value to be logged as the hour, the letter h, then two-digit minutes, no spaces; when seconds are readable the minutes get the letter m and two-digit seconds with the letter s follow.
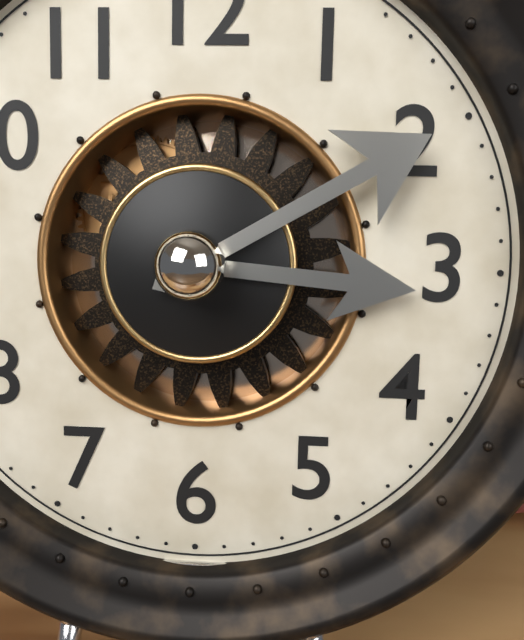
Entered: 3h10
